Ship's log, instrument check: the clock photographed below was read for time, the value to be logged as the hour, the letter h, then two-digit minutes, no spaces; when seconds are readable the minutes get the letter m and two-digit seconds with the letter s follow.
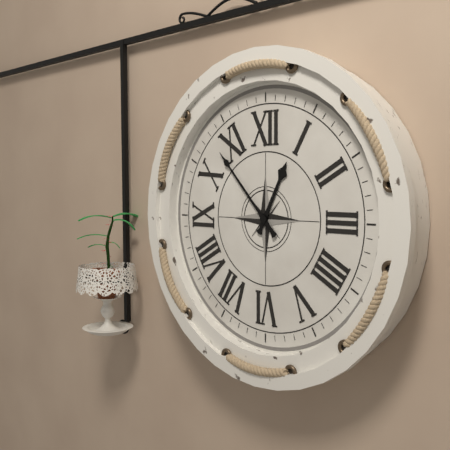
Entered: 12h53
